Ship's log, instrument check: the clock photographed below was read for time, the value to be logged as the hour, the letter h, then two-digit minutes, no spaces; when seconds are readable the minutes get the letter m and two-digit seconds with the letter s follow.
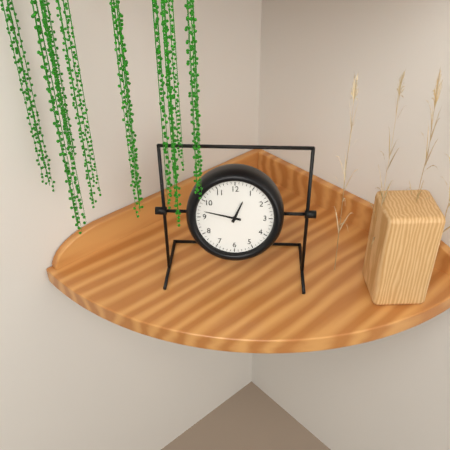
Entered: 12h47
